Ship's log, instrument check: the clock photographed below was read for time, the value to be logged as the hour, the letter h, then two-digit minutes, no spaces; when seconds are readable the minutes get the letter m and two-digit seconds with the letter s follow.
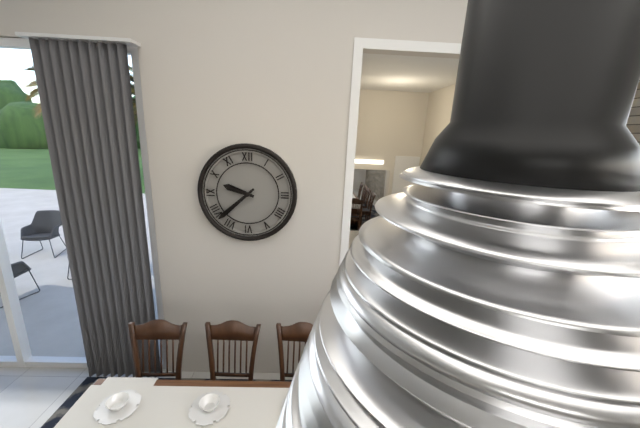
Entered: 9h38
